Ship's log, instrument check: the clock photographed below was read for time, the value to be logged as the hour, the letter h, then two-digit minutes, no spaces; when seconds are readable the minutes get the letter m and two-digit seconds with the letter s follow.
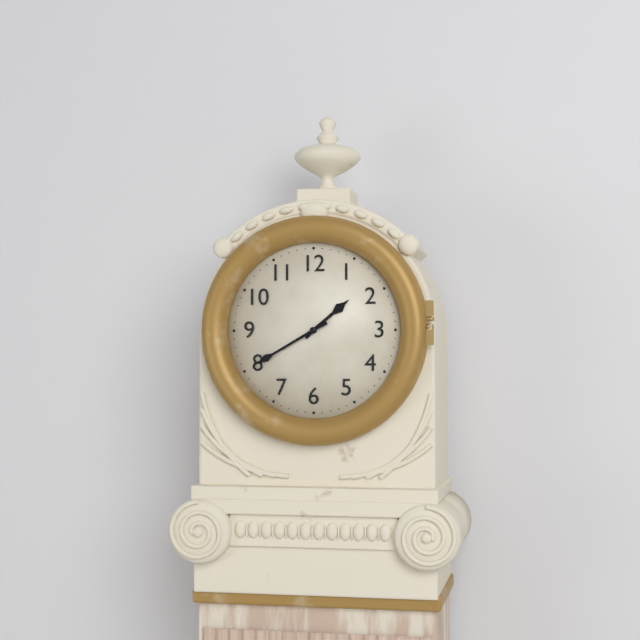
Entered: 1h40
